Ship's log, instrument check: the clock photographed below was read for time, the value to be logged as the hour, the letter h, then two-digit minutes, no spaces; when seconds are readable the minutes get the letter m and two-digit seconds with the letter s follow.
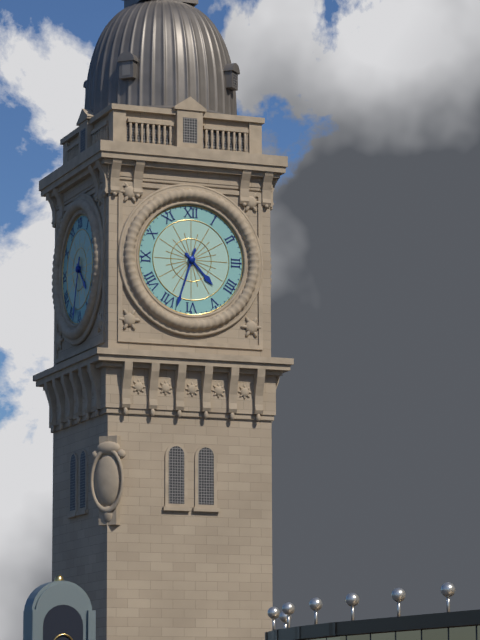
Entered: 4h33
